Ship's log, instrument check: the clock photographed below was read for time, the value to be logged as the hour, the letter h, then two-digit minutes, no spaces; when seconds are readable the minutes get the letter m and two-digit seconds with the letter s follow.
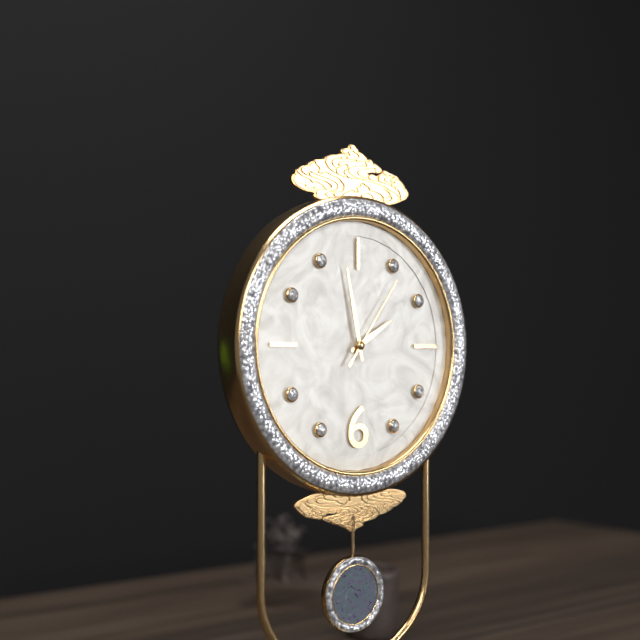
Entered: 1h58m06s
